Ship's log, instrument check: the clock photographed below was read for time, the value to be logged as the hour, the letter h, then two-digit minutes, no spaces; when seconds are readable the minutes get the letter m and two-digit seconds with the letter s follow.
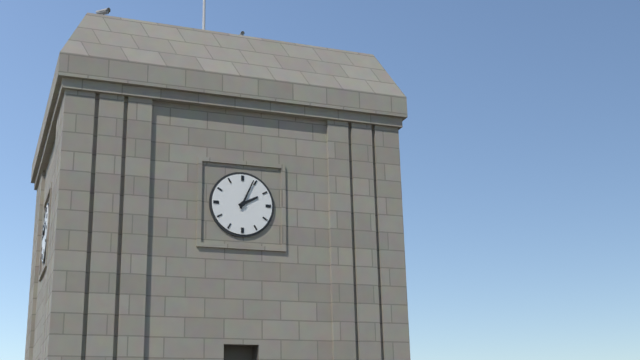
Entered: 2h04
